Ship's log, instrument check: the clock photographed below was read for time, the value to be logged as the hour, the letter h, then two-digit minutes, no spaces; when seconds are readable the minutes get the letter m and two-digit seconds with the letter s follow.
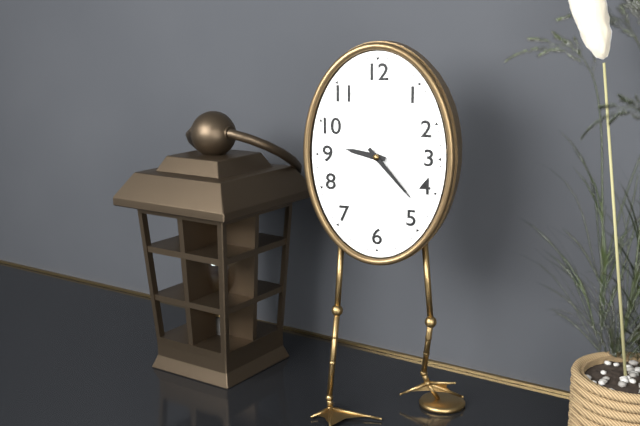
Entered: 9h23
